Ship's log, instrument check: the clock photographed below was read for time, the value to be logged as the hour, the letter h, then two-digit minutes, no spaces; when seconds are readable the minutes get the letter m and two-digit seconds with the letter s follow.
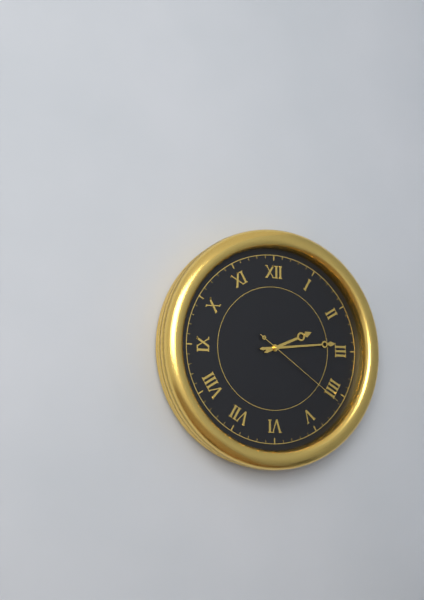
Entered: 2h14m21s
